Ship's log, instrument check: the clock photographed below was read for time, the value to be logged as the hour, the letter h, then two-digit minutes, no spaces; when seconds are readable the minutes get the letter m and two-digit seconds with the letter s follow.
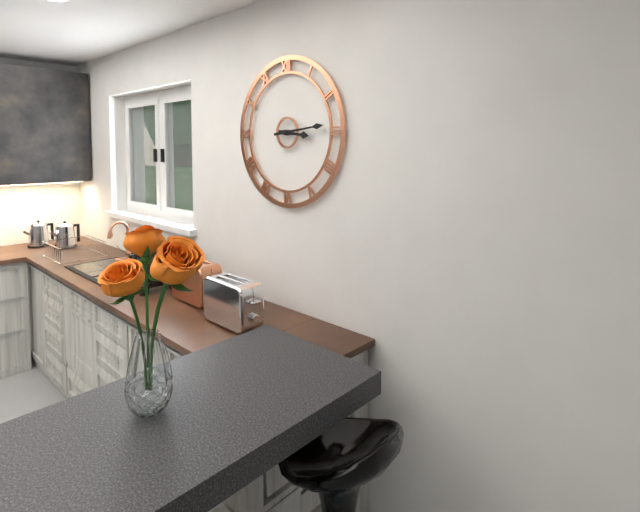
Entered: 3h14
